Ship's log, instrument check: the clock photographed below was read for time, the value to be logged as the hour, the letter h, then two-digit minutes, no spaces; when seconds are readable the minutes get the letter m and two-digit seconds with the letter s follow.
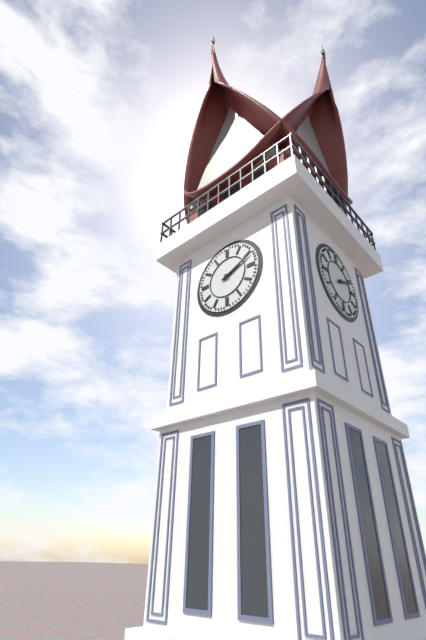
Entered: 2h11
